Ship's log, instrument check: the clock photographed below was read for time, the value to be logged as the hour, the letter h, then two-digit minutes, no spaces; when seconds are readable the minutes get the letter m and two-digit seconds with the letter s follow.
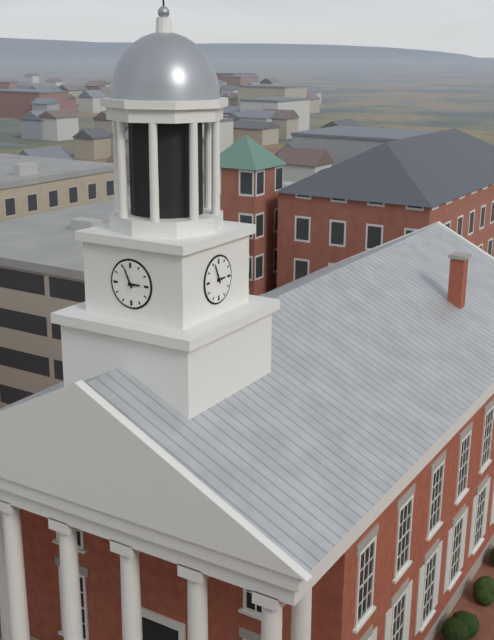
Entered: 2h56
